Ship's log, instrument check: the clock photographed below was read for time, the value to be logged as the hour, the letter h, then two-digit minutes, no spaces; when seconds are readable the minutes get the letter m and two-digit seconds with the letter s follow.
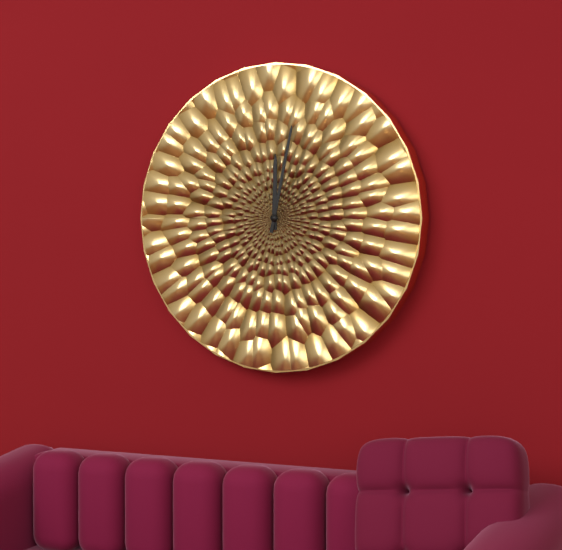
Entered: 12h02
